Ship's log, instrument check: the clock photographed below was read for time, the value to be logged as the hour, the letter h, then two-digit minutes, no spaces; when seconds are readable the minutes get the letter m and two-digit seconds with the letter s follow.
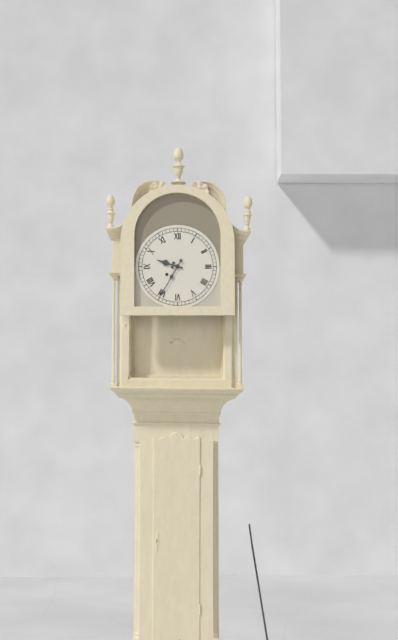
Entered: 9h35
